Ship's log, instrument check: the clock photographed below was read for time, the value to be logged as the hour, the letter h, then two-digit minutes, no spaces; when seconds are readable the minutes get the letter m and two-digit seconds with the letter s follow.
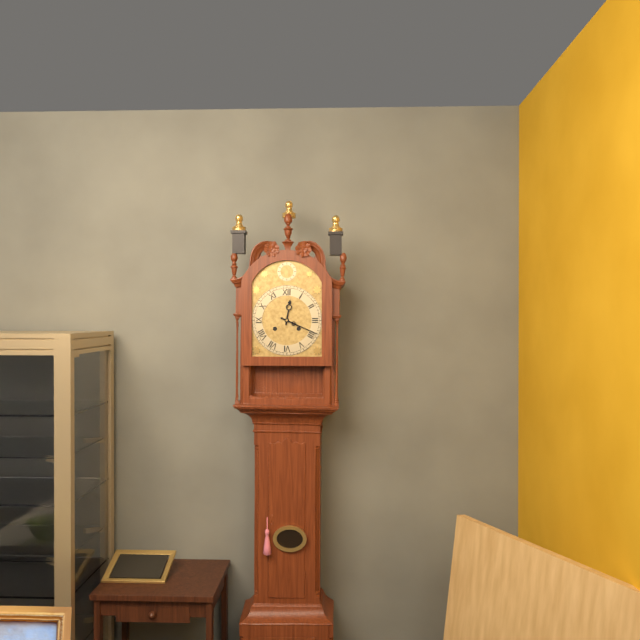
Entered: 12h19
